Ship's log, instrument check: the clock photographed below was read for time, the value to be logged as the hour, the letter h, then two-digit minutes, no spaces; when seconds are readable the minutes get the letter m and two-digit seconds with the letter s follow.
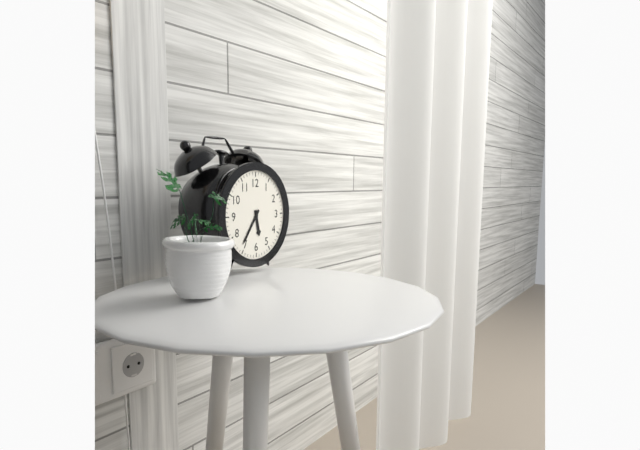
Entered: 5h36
